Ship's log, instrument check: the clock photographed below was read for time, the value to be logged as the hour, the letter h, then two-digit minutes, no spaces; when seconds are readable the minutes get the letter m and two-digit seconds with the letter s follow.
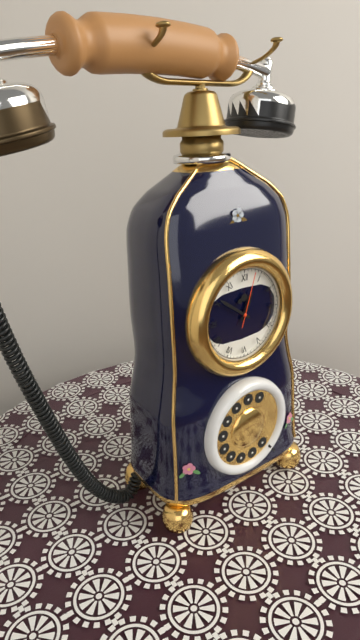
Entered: 12h51m03s
